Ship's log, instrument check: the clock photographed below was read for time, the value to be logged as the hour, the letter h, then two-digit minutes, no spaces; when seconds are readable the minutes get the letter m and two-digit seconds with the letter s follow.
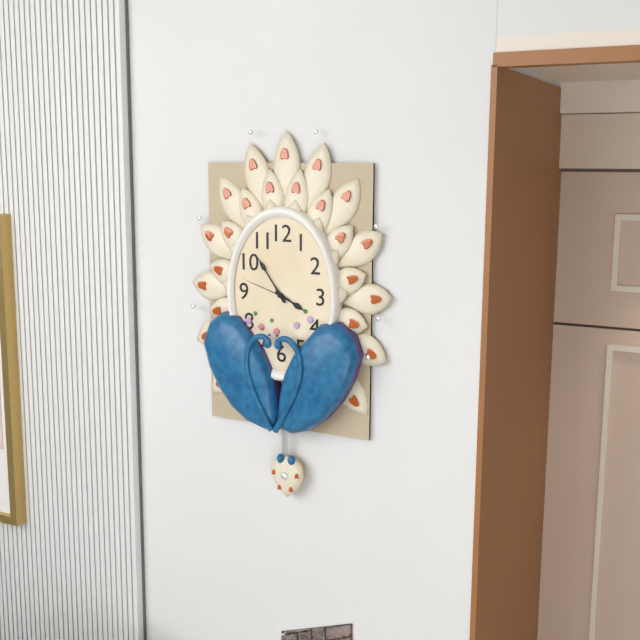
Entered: 3h54
